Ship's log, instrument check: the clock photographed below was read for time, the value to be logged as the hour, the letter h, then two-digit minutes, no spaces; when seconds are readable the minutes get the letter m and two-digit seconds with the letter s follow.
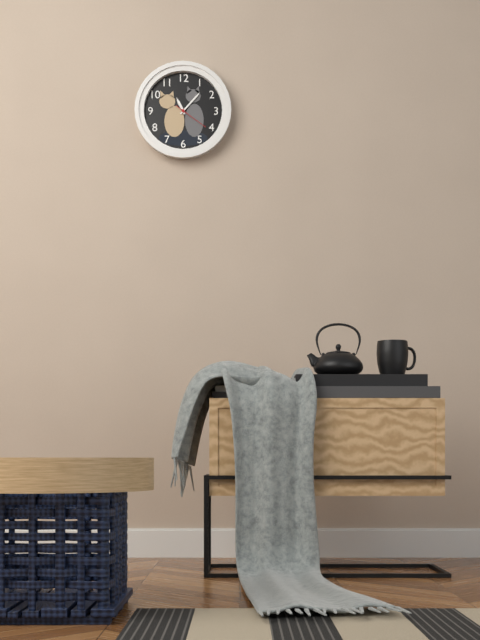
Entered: 11h07
